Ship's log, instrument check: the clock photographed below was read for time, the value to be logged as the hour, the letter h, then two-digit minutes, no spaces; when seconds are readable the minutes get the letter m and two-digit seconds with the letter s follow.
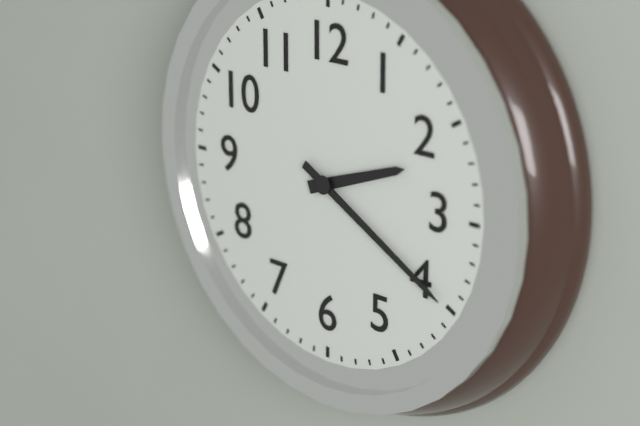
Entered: 2h20
